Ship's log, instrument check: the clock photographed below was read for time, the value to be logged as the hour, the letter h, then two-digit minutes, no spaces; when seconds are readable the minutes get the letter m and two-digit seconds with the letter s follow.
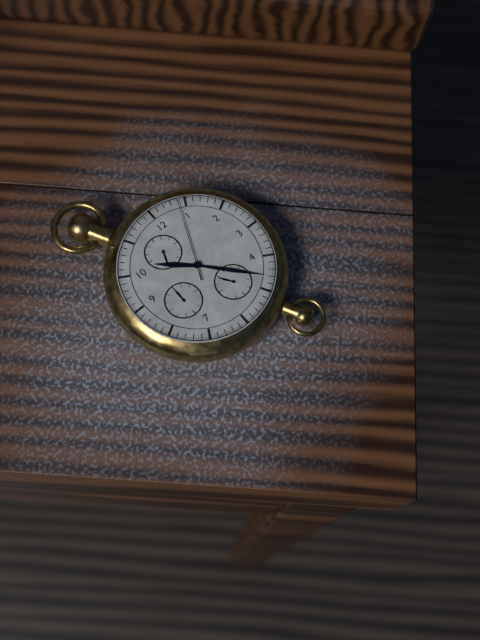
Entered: 10h23m04s
